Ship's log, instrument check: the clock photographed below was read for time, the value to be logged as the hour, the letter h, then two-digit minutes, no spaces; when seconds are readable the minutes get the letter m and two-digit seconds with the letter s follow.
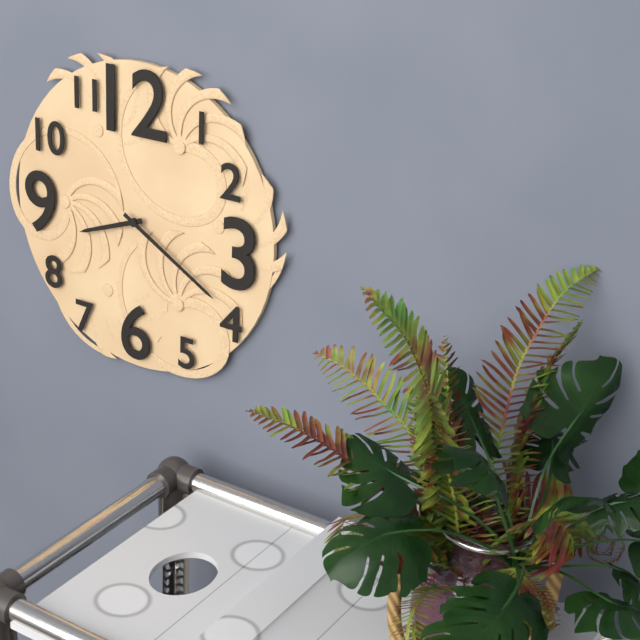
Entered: 8h20
